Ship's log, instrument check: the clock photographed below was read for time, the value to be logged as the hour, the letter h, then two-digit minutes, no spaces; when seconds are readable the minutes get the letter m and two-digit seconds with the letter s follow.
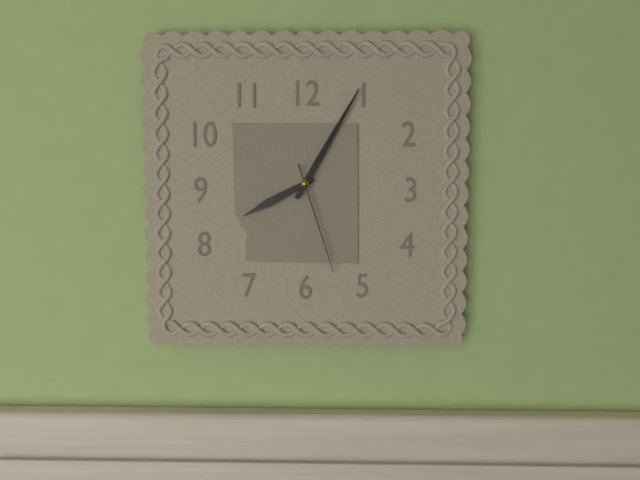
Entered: 8h05m27s
